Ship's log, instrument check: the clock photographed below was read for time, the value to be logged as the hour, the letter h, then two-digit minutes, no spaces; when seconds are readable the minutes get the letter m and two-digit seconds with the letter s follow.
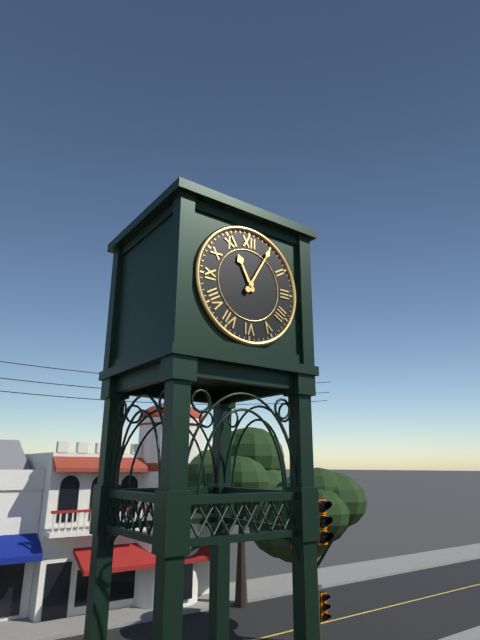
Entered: 11h05
